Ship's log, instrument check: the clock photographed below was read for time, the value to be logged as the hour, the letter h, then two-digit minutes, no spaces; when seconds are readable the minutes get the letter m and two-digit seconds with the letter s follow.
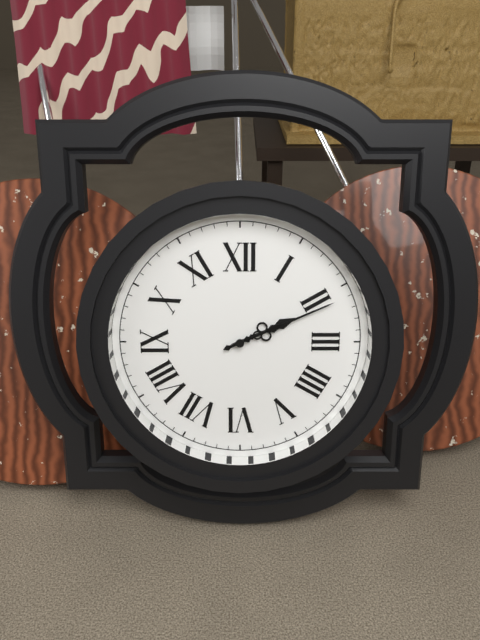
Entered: 2h11
